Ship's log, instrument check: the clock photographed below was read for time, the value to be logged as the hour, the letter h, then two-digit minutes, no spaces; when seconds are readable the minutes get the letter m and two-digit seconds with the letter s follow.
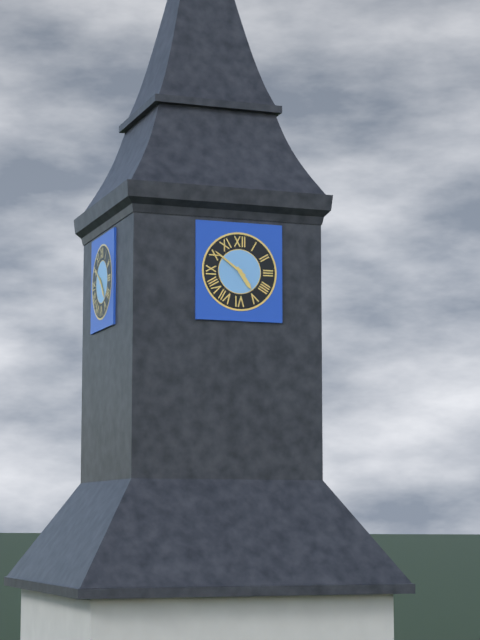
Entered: 4h51
